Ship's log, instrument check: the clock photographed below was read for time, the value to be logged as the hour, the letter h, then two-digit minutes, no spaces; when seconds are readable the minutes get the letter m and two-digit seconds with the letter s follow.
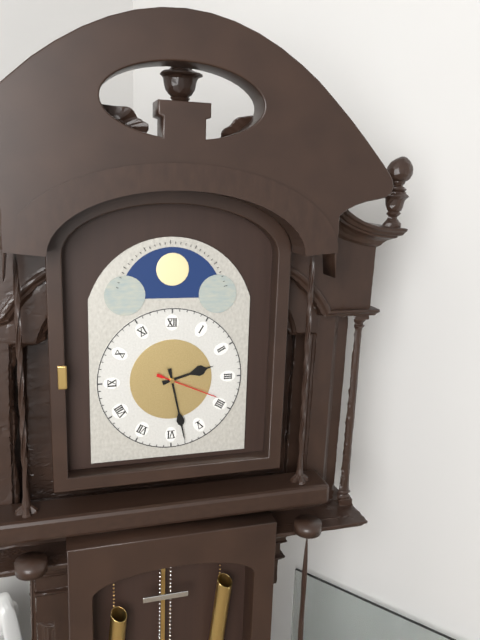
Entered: 2h28m19s
